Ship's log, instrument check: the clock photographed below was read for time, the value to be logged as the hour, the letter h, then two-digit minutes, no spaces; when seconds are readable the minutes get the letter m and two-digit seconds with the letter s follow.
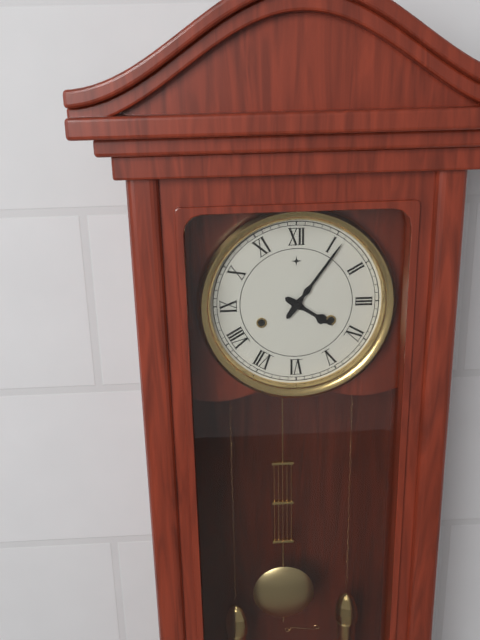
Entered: 4h06
